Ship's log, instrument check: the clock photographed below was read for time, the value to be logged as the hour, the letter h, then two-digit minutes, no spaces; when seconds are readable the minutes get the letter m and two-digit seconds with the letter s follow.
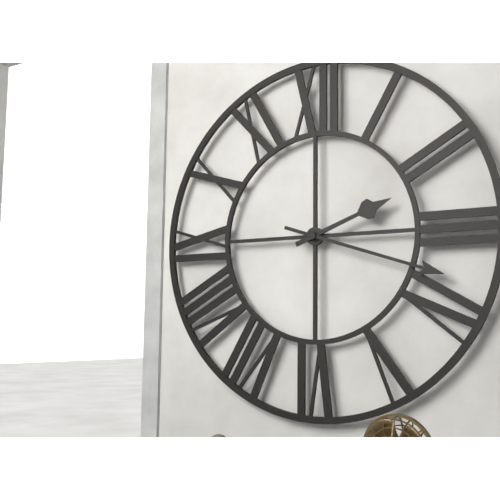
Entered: 2h18
